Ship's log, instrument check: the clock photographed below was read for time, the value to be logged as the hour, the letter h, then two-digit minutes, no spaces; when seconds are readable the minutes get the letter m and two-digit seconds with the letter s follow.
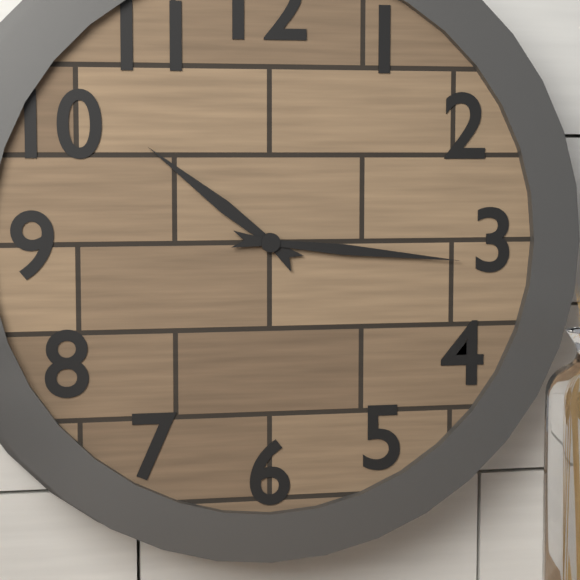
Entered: 10h16
